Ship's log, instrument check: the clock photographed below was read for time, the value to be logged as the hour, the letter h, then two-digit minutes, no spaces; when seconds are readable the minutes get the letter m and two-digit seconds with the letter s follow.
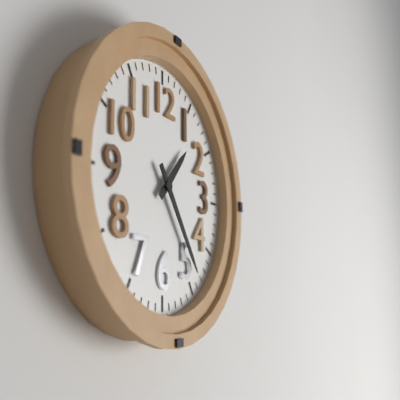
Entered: 1h24
